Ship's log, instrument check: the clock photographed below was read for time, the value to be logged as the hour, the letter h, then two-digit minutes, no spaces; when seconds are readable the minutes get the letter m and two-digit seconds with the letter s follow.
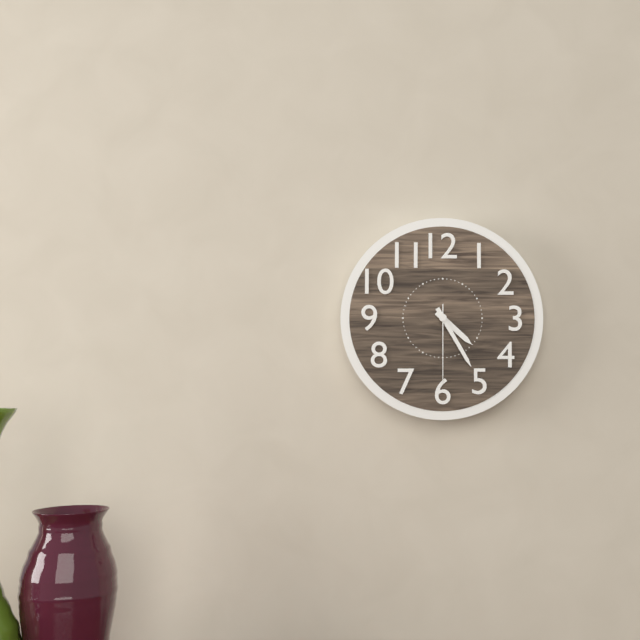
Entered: 4h25m30s
